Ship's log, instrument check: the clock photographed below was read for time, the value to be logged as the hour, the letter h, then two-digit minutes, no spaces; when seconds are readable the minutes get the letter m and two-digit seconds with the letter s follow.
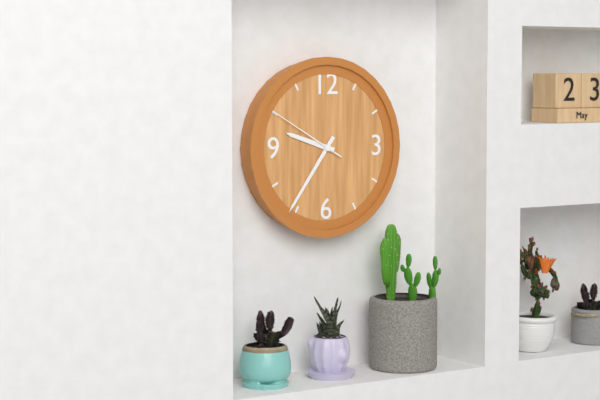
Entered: 9h36m50s
